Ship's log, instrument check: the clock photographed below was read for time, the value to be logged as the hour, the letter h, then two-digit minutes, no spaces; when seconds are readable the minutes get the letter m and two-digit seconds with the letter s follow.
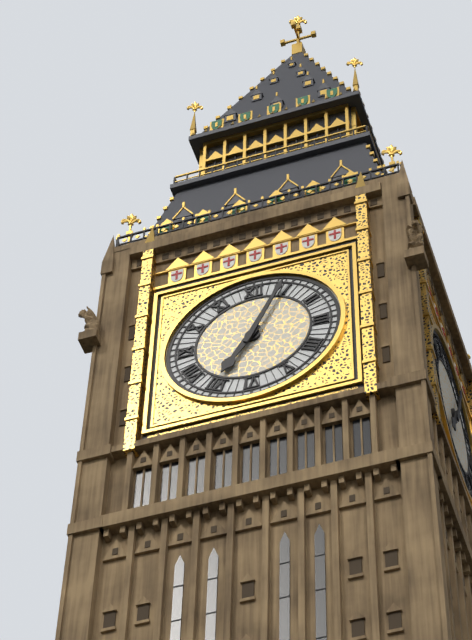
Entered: 7h04
